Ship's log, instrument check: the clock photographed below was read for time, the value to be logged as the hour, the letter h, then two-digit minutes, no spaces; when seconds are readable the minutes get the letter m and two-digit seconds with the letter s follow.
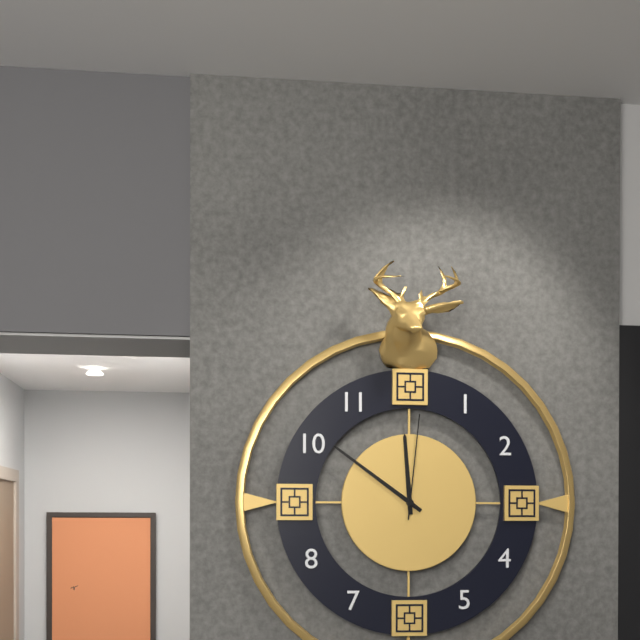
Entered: 11h51m01s
